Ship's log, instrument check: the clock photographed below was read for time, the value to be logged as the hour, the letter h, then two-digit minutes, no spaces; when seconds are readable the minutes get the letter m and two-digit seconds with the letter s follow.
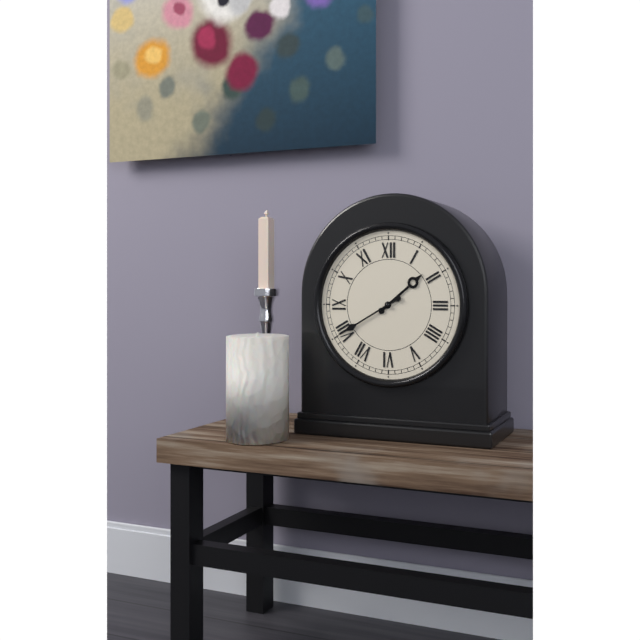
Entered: 1h40
